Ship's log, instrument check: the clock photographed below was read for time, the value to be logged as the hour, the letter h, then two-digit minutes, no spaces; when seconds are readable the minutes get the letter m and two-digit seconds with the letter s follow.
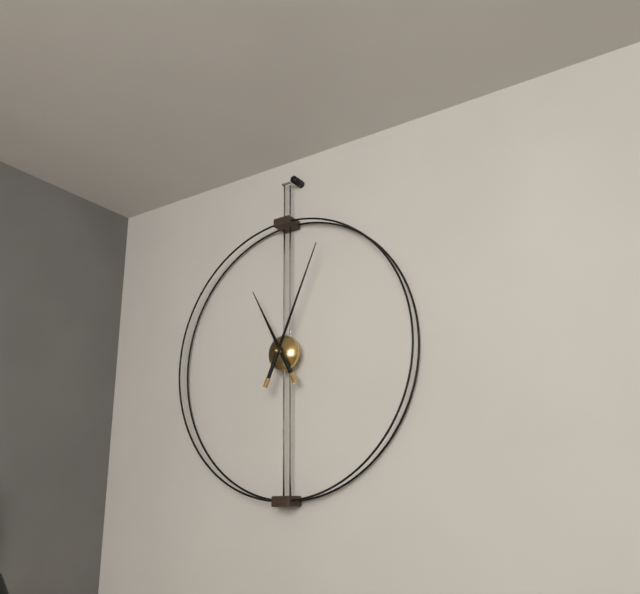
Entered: 11h04
